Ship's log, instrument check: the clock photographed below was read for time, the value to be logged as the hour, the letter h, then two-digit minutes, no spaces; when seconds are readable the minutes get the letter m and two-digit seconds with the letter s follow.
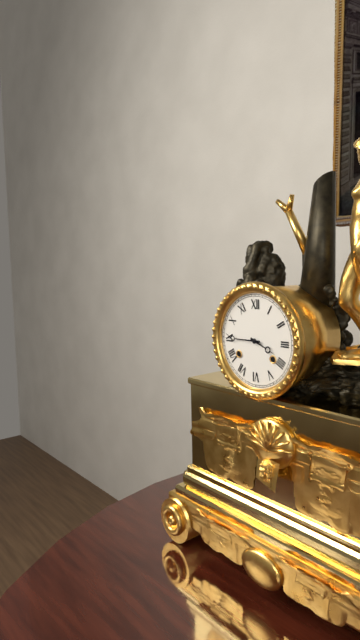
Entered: 3h45
